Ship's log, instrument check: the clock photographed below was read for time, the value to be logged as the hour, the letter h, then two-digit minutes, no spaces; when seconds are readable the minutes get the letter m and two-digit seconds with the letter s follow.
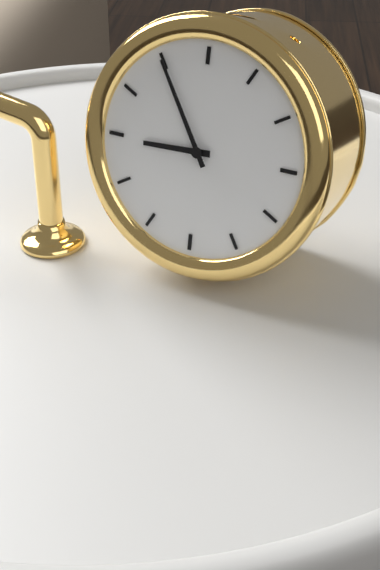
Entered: 8h55
